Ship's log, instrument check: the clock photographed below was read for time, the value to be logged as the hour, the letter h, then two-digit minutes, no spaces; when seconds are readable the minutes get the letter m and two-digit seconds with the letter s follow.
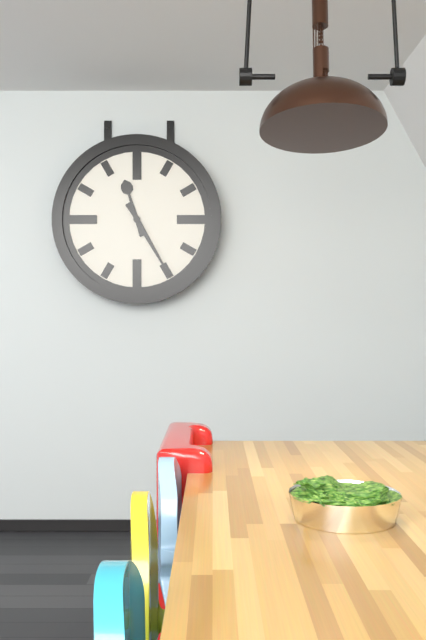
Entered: 11h25
